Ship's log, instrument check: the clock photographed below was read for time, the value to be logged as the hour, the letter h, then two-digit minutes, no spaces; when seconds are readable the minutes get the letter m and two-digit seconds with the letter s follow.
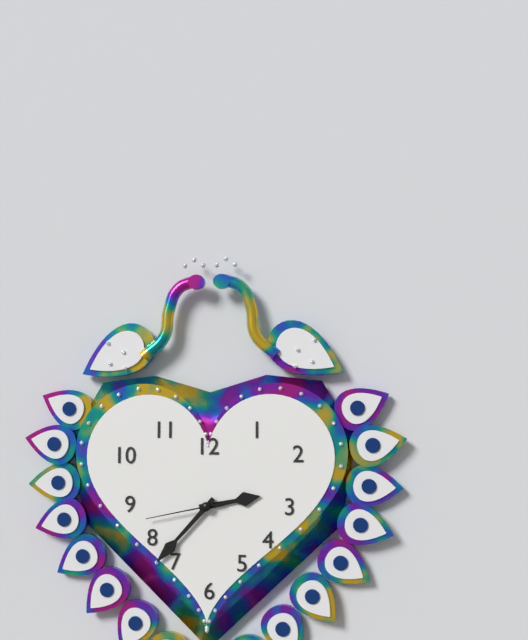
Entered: 2h37m43s
